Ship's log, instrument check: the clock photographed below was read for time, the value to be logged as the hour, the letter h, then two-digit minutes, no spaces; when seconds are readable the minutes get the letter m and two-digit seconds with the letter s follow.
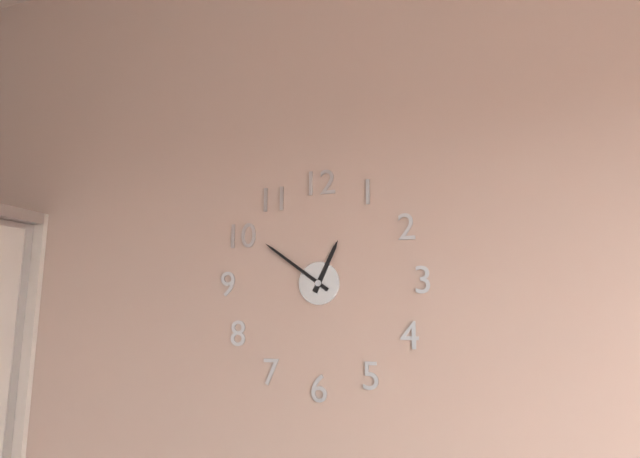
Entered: 12h51
